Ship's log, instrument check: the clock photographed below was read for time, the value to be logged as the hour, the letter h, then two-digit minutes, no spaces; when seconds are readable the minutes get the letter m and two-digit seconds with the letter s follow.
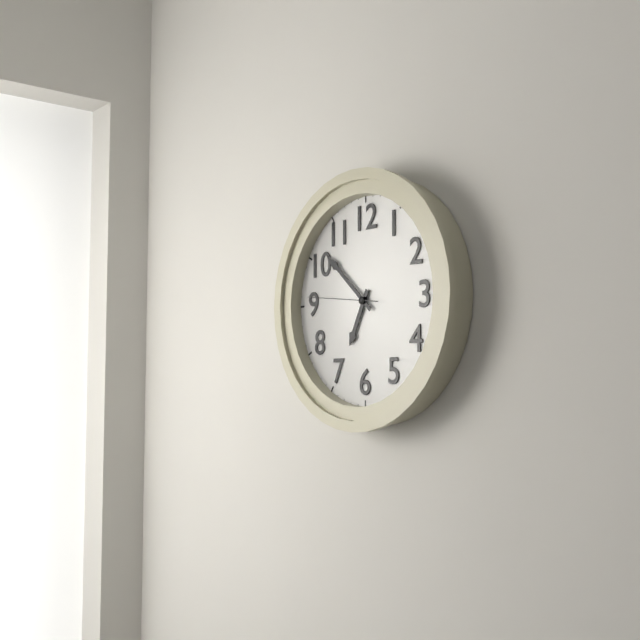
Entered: 6h52m46s
